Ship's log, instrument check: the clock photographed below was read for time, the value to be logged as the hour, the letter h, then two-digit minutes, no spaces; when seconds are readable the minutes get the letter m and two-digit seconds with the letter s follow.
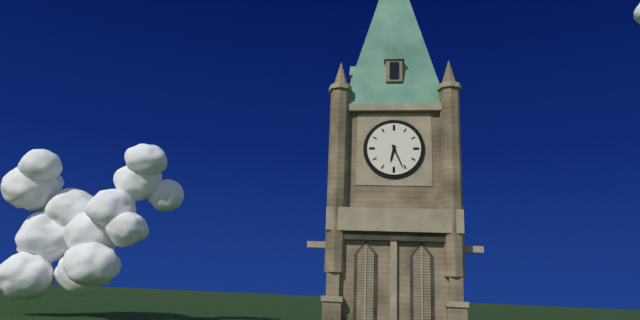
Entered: 6h26
